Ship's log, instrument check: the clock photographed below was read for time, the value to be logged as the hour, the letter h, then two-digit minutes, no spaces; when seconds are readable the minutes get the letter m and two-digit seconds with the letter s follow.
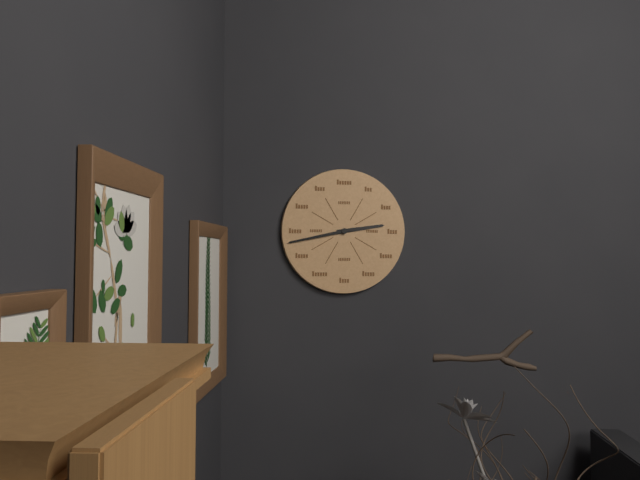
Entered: 2h43
